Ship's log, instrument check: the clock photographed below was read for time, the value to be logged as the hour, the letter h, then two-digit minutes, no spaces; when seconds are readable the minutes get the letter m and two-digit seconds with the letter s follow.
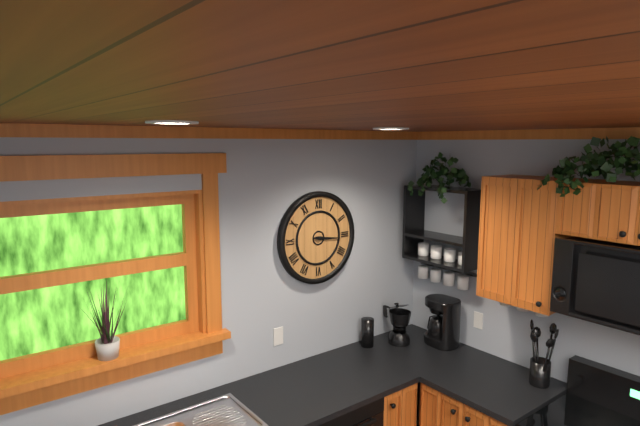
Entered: 3h16
